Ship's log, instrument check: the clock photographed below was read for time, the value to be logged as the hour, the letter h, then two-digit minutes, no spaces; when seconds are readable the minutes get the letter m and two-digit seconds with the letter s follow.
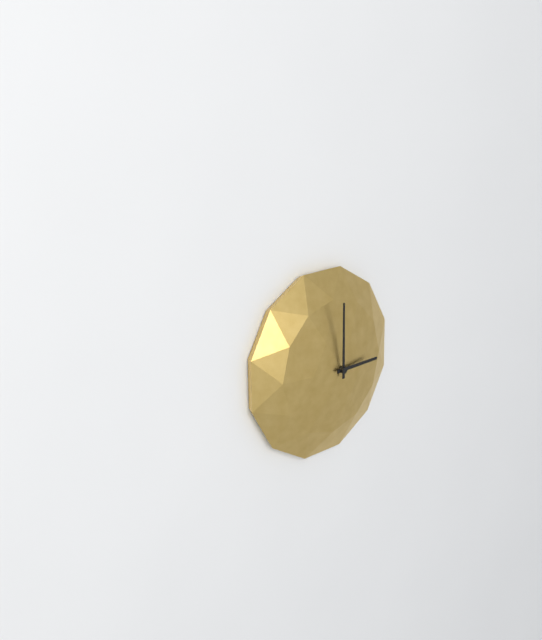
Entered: 3h00
